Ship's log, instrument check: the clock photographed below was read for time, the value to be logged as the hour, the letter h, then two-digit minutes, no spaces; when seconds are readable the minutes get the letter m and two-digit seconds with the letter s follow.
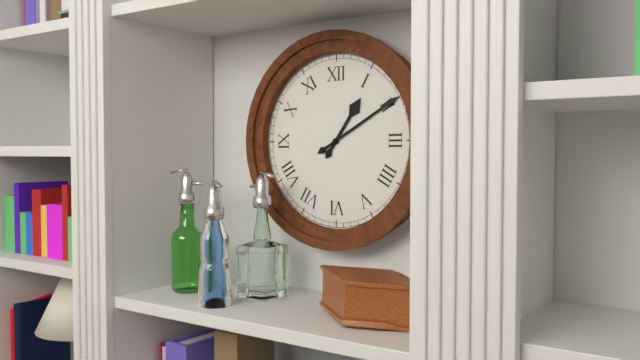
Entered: 1h10
